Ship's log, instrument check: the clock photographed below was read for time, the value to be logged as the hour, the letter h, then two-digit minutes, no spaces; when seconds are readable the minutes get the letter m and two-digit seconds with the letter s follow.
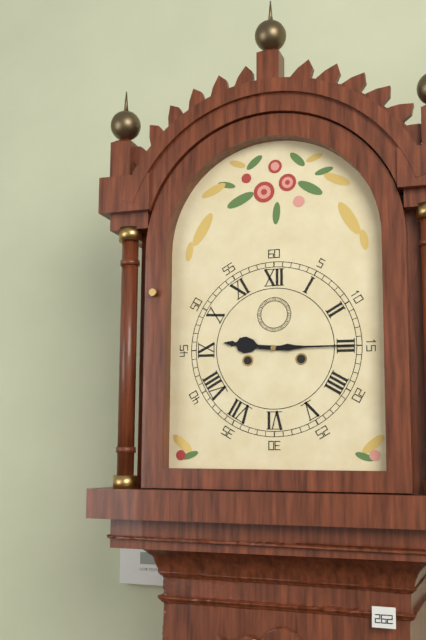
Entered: 9h15
